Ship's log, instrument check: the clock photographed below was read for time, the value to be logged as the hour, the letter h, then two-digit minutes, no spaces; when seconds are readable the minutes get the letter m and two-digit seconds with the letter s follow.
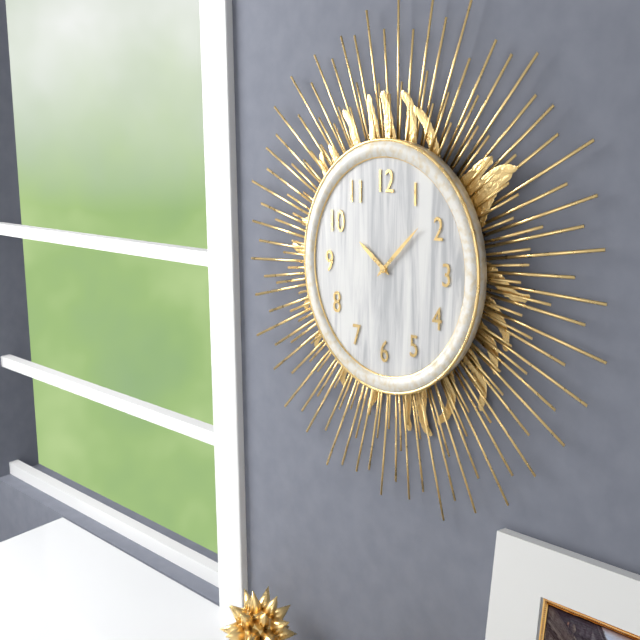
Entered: 10h08
